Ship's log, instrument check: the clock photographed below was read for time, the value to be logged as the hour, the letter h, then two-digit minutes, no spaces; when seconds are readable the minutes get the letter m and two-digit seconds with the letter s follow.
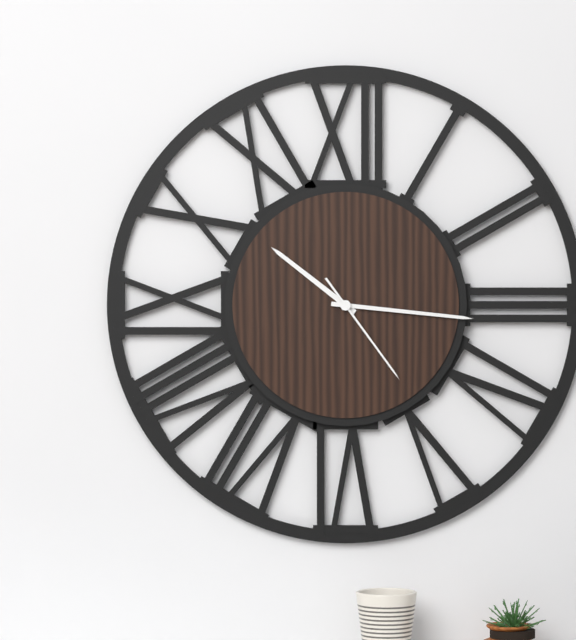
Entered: 10h16m24s
